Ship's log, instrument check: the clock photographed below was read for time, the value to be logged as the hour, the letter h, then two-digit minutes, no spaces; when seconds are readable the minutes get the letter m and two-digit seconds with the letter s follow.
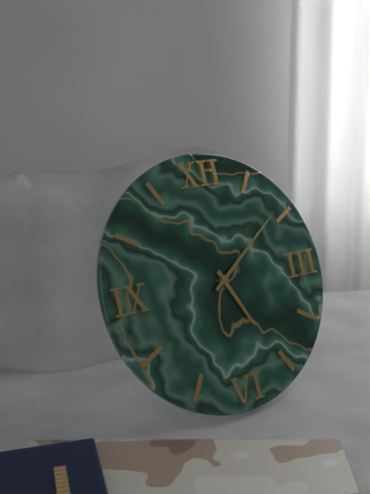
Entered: 5h09
